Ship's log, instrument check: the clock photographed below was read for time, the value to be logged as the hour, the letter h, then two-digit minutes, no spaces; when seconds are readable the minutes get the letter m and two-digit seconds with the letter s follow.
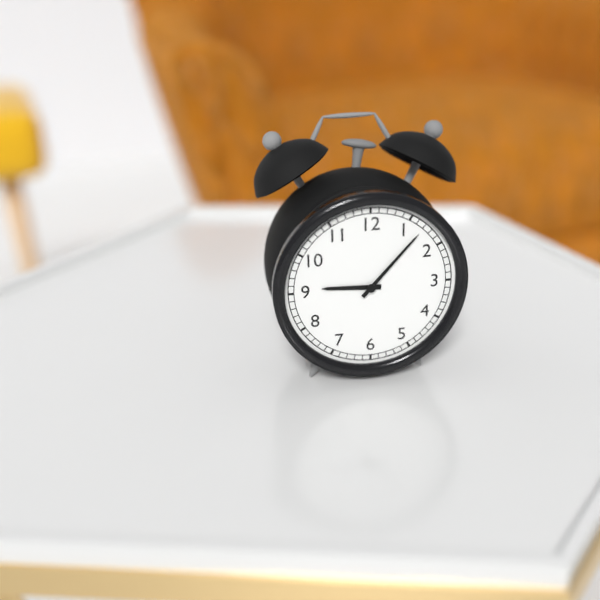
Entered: 9h07
